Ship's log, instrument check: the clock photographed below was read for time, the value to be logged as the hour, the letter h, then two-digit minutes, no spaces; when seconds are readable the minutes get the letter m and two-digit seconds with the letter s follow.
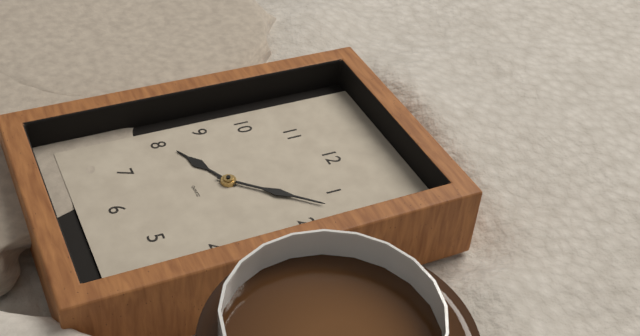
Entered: 8h07
